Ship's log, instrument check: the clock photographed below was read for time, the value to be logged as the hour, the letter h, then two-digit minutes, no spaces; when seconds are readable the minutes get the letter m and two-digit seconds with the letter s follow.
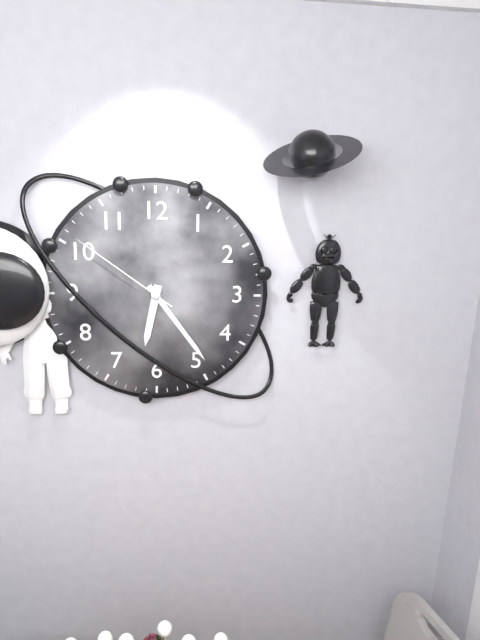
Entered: 6h24m51s
